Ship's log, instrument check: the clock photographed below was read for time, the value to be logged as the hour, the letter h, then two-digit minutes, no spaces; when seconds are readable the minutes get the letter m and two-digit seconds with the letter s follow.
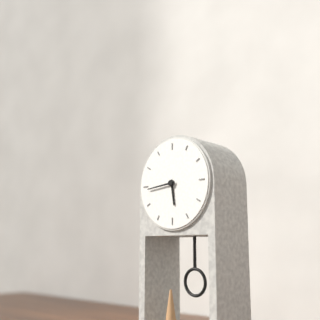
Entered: 5h44
